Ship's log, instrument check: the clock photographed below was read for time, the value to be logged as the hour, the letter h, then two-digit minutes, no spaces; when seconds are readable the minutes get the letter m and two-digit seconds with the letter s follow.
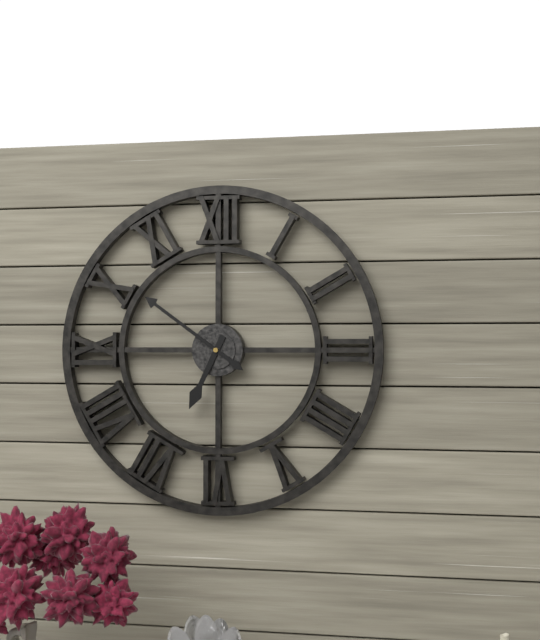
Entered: 6h51
